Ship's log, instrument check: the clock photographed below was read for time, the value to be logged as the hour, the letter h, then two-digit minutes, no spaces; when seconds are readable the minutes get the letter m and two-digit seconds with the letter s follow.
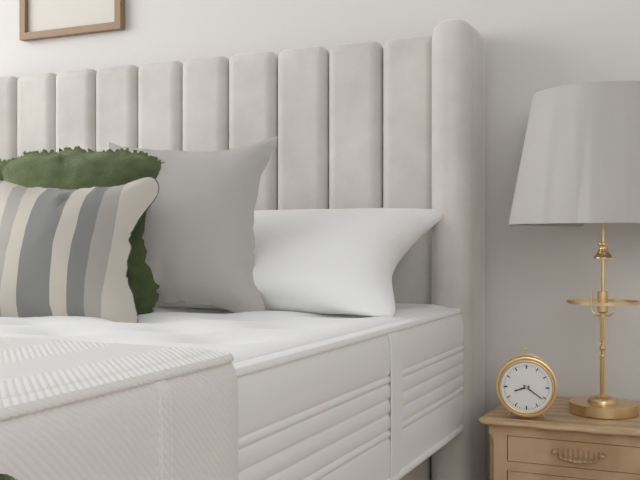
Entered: 8h21
